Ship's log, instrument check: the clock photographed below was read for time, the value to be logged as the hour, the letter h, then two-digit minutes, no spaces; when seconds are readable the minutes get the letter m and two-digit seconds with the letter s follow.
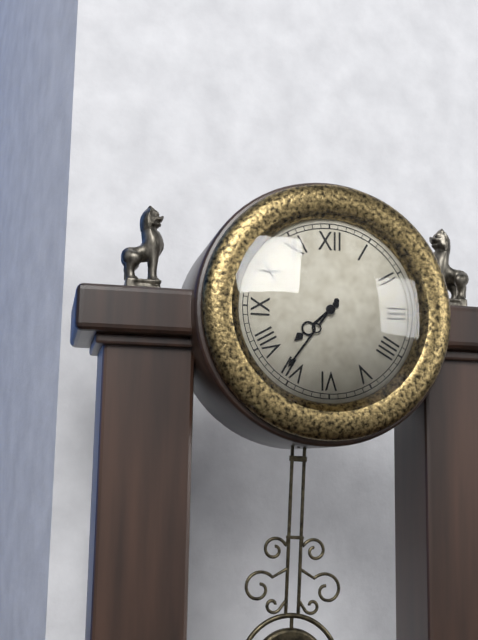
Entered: 7h36
